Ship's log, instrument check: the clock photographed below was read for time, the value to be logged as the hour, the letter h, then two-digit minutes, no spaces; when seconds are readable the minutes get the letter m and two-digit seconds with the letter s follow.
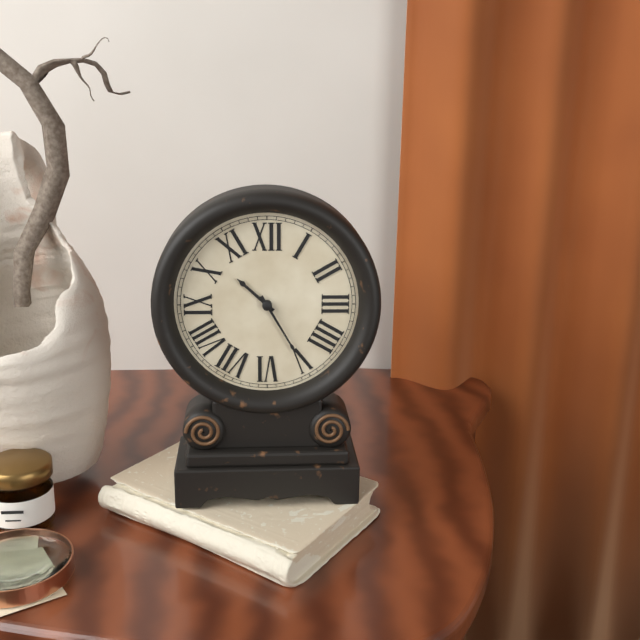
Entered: 10h25
